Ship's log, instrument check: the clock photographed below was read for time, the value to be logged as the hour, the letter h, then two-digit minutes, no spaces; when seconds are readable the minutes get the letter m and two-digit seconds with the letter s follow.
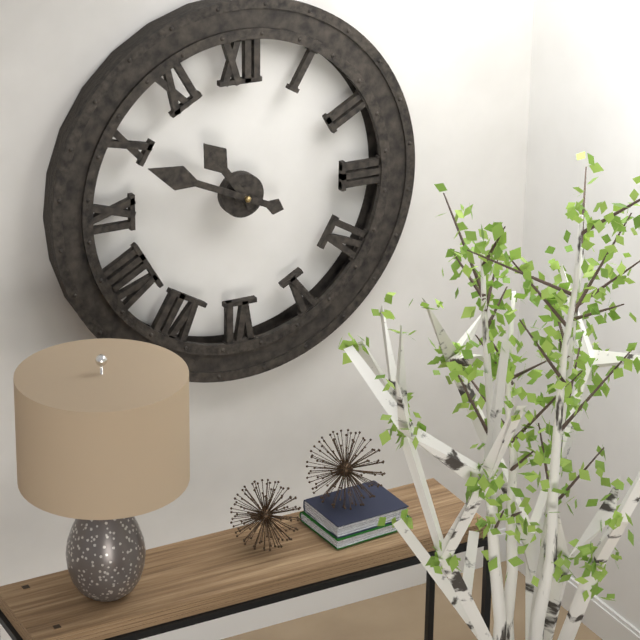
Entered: 10h49
